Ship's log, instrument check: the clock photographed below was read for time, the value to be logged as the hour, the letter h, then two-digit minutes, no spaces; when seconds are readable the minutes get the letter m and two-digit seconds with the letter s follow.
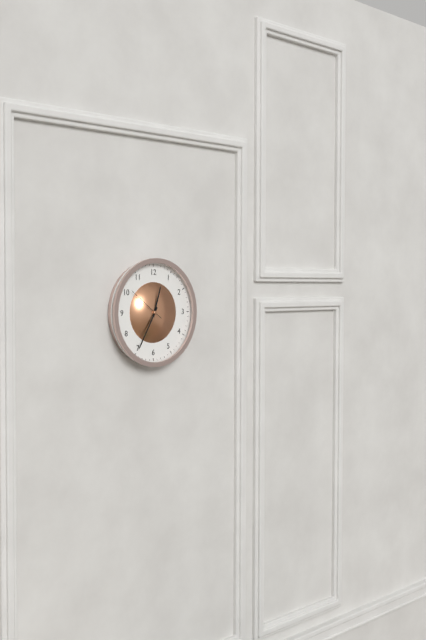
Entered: 12h35
